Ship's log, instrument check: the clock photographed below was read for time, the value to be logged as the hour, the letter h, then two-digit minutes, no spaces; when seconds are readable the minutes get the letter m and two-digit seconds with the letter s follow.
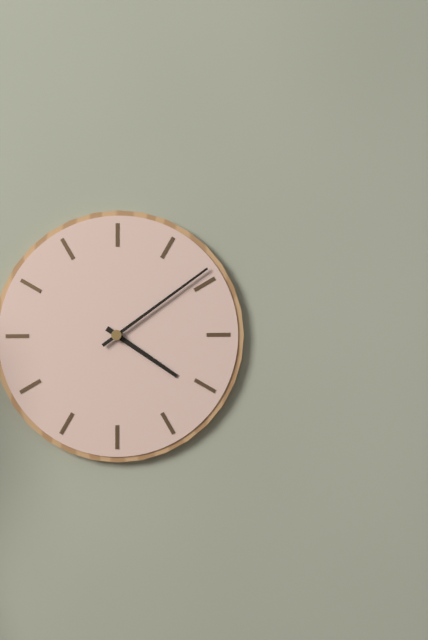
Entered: 4h09
